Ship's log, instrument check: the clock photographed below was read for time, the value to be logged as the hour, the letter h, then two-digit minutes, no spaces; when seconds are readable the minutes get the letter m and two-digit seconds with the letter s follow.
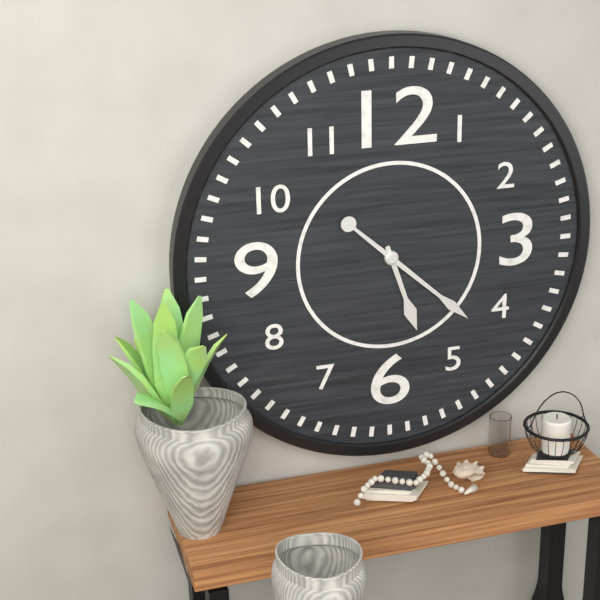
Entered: 5h22
